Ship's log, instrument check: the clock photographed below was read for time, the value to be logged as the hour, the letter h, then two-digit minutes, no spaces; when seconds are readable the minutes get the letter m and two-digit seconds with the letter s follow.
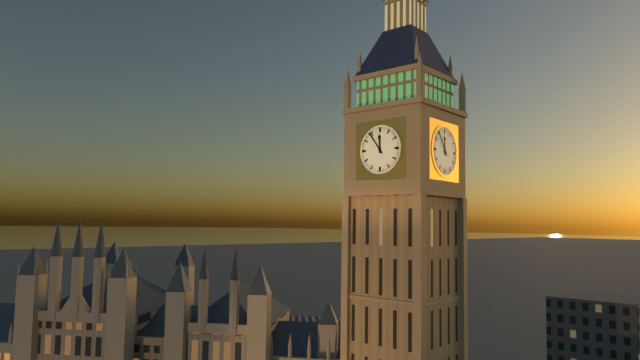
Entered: 11h54
